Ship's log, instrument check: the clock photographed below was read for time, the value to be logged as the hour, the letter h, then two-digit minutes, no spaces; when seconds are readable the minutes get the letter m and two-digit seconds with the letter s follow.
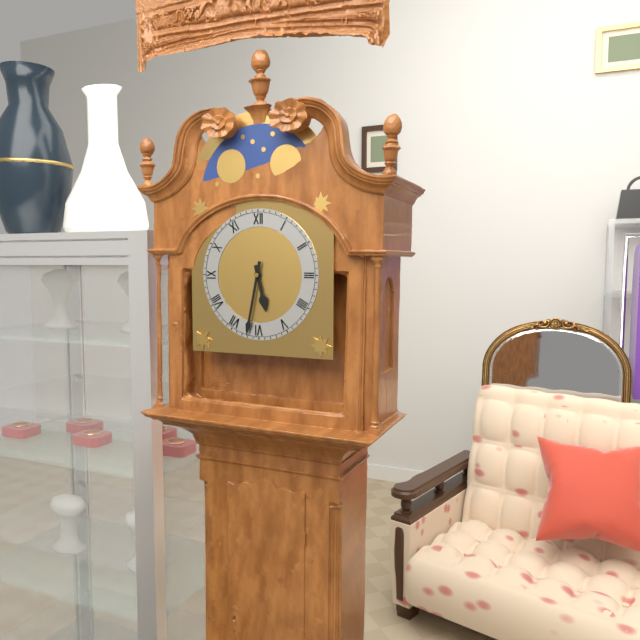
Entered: 5h32
